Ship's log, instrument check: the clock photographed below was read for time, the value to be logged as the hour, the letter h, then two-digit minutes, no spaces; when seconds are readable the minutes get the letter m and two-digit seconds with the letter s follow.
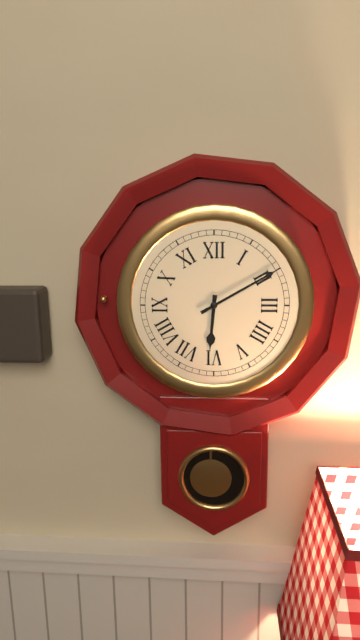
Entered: 6h10
